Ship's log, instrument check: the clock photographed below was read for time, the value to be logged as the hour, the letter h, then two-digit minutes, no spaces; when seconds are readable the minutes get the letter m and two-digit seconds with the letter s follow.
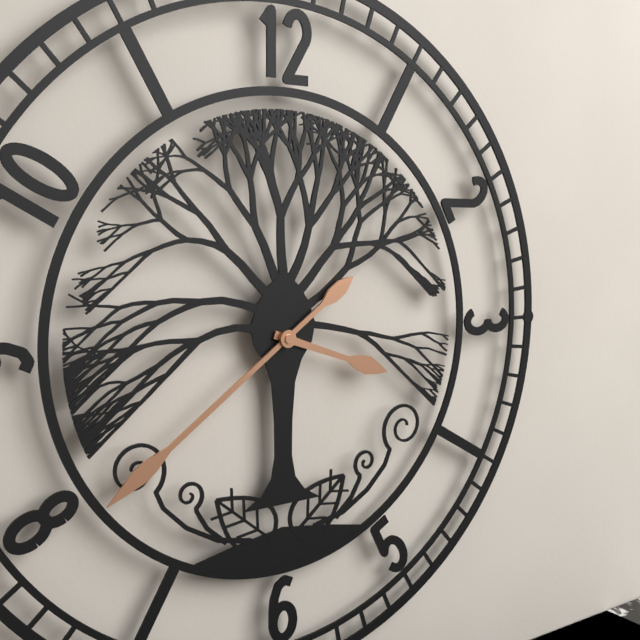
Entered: 3h39
